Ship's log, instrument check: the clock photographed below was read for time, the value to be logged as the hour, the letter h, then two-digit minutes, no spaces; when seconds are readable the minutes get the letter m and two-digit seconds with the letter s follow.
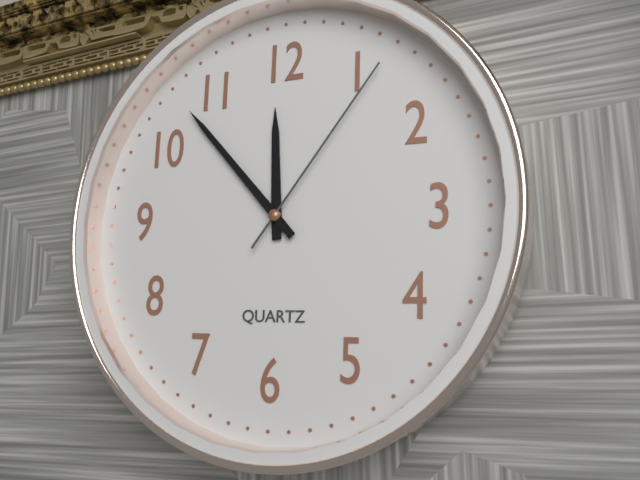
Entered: 11h53m06s
